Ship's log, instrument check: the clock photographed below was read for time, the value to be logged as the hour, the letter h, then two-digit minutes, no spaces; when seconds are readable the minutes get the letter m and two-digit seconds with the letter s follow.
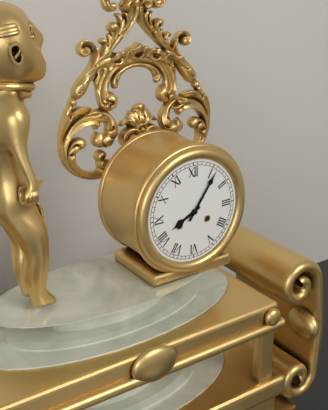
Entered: 8h06
